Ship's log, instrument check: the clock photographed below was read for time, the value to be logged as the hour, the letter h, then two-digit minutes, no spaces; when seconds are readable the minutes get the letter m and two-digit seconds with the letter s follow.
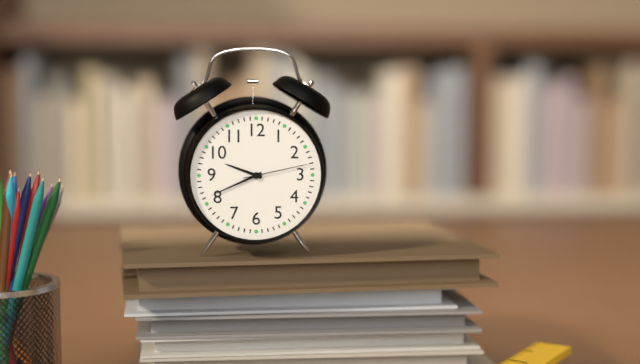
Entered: 9h41m13s
